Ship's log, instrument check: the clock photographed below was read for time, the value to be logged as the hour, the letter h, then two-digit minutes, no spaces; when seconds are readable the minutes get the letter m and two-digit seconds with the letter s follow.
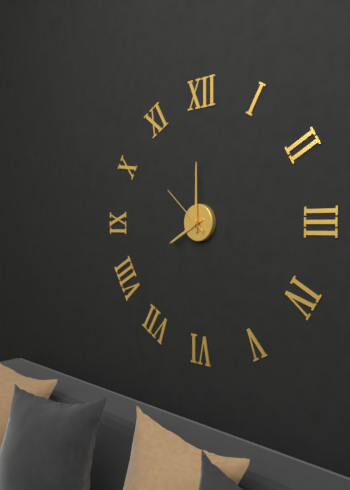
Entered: 8h00m52s
